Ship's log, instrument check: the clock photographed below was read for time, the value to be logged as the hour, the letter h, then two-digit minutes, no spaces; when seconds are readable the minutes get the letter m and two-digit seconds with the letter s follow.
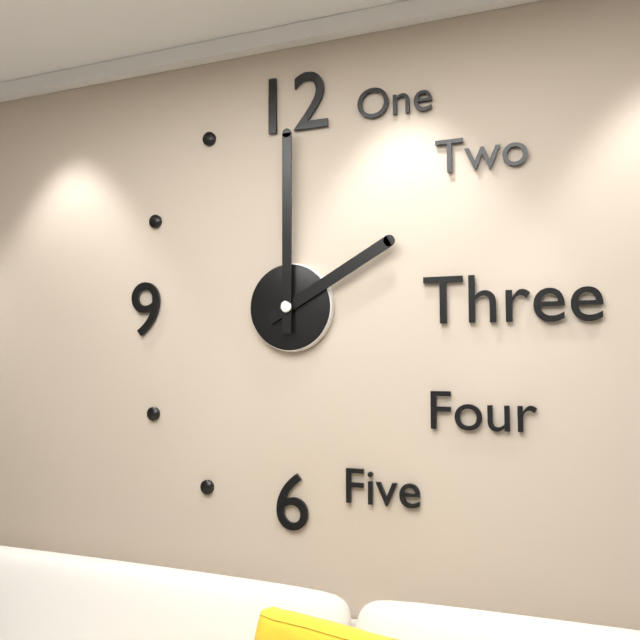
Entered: 2h00
